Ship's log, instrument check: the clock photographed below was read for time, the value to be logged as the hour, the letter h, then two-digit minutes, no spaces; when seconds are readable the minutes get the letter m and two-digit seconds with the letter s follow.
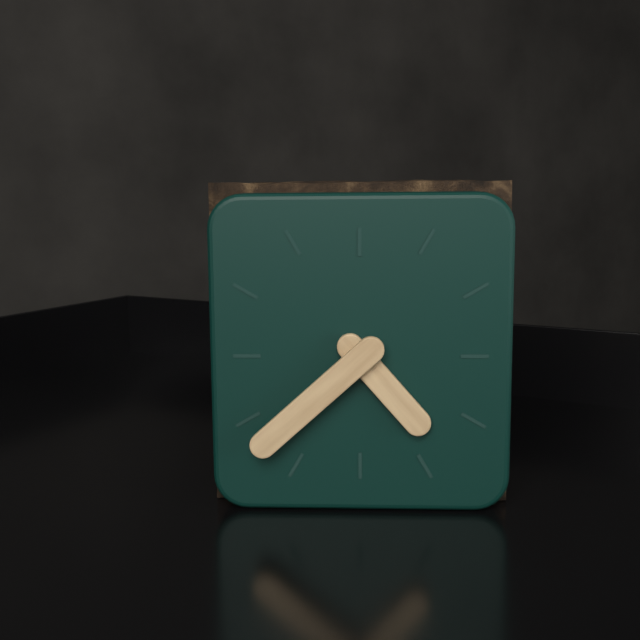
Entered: 4h38
